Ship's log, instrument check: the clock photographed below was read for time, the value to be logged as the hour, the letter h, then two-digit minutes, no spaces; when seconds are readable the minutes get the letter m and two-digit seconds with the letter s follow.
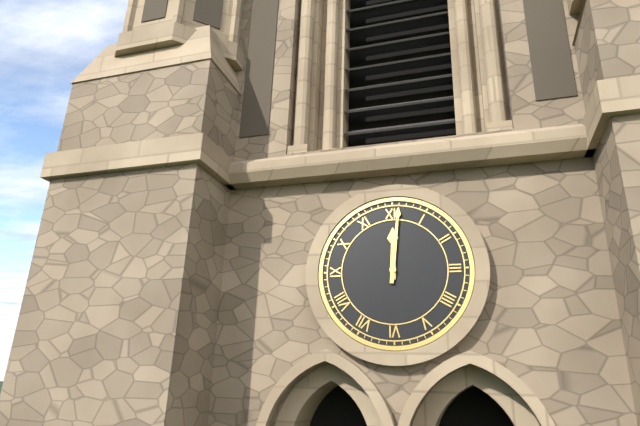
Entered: 12h01
